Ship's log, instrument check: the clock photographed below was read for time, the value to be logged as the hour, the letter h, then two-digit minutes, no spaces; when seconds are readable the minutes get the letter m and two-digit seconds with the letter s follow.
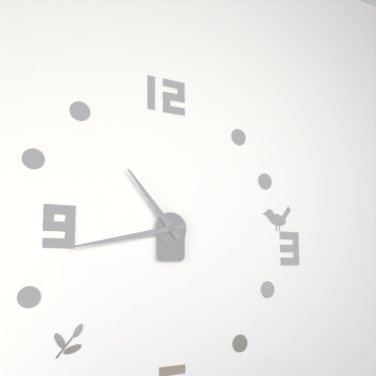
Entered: 10h43
